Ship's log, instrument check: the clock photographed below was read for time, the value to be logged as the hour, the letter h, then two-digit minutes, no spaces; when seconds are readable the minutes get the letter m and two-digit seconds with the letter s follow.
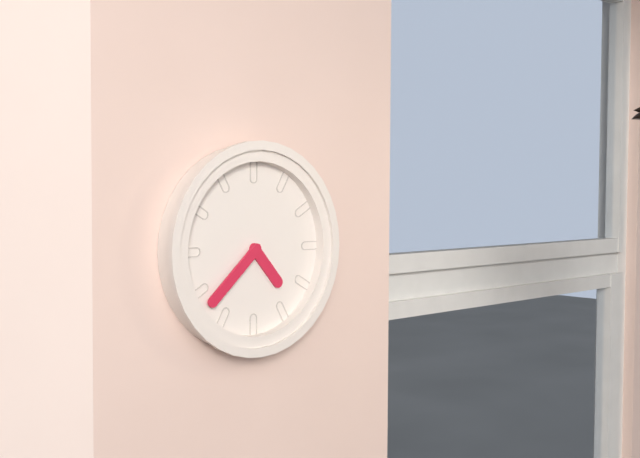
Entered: 4h38
